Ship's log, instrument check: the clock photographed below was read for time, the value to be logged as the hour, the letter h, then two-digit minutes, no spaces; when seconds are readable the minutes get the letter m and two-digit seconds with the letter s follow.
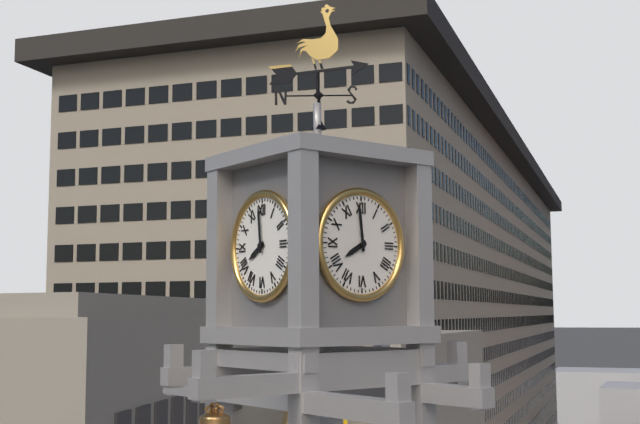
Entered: 7h59
